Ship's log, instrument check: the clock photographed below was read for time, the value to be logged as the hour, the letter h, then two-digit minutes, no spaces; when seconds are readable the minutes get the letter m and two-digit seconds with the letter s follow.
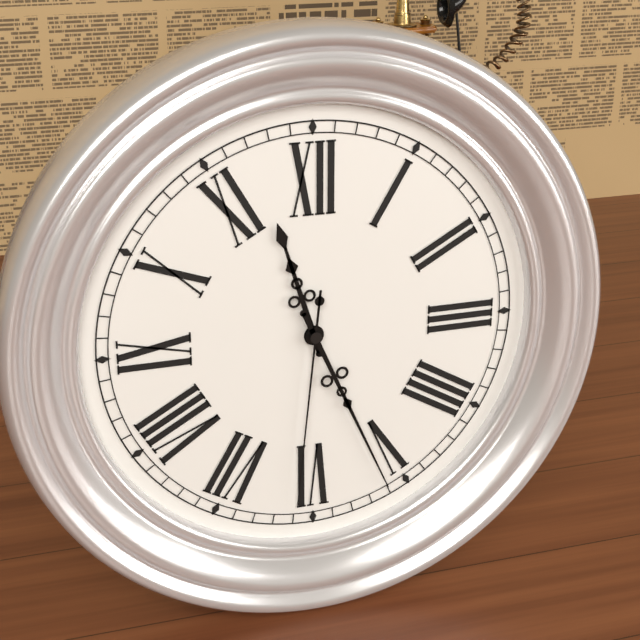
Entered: 11h26m31s
